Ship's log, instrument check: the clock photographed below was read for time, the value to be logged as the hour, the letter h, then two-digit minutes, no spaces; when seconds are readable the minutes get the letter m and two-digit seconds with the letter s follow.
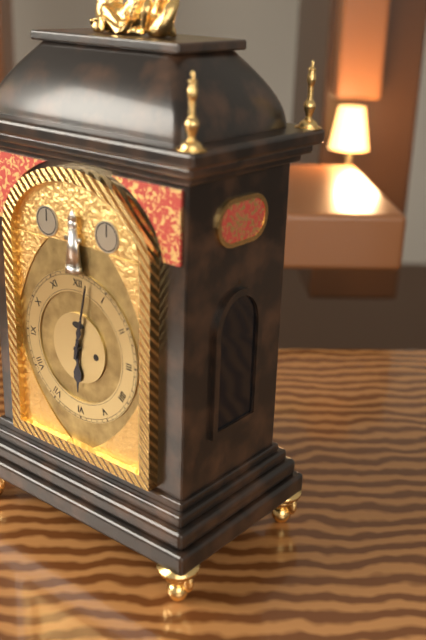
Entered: 6h02
